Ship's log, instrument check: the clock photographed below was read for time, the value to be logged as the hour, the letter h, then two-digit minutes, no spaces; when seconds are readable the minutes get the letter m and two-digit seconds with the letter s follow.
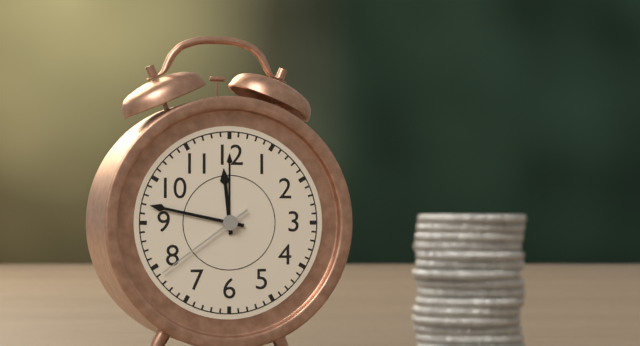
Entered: 11h47m39s
